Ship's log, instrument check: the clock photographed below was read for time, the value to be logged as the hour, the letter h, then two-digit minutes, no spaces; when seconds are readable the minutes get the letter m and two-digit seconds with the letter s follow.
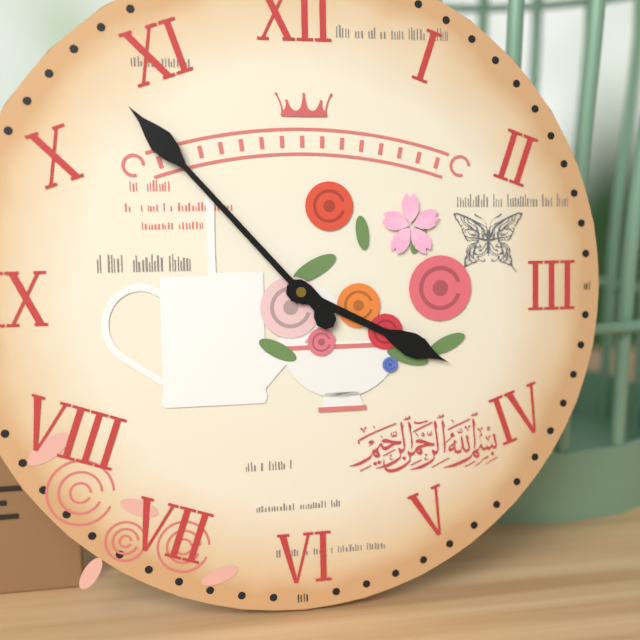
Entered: 3h53
